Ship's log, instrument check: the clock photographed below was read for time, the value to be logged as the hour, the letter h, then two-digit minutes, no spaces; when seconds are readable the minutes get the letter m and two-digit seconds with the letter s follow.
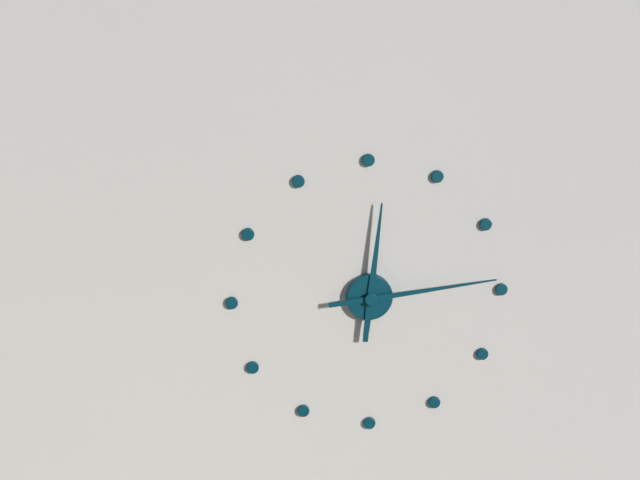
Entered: 12h14
